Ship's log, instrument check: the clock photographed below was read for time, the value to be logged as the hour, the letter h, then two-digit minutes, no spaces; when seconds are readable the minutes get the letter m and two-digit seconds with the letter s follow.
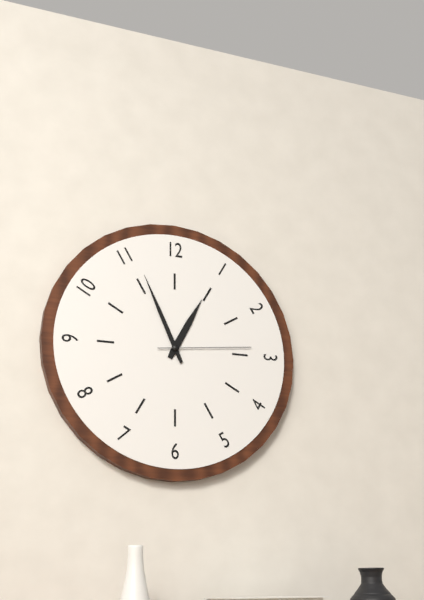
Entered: 12h56m14s
